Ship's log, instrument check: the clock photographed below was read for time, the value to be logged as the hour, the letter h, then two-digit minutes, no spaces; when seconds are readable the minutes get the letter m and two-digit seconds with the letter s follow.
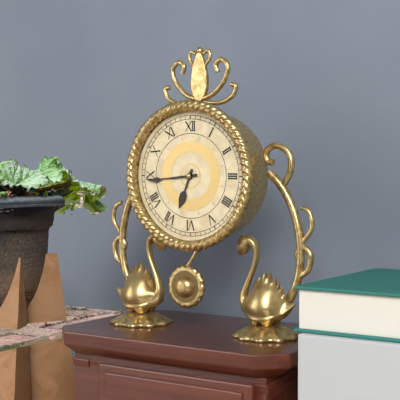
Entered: 6h44
